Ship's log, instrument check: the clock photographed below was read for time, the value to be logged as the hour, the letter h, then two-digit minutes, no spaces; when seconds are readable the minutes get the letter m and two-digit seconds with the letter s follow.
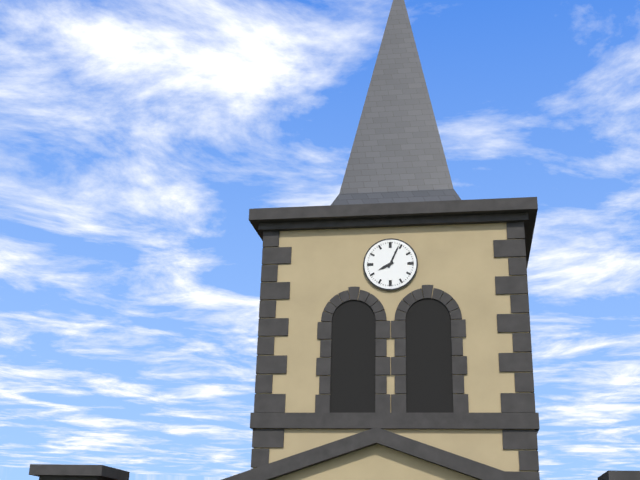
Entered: 8h04
